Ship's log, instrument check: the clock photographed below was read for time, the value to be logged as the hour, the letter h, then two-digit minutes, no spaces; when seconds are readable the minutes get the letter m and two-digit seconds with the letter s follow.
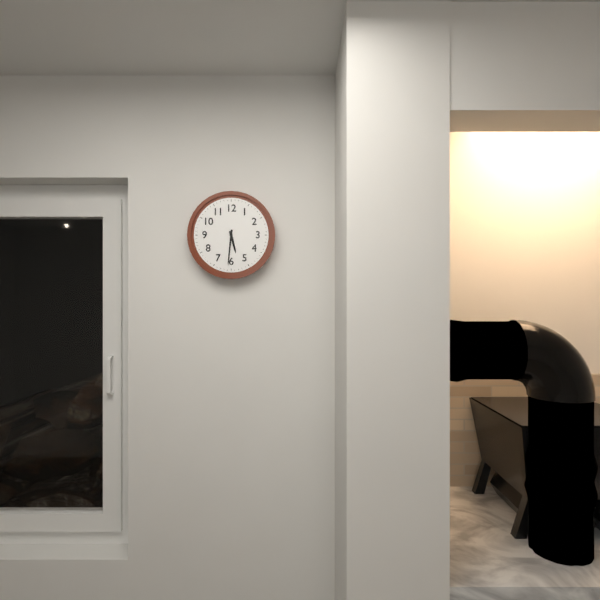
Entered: 5h31
